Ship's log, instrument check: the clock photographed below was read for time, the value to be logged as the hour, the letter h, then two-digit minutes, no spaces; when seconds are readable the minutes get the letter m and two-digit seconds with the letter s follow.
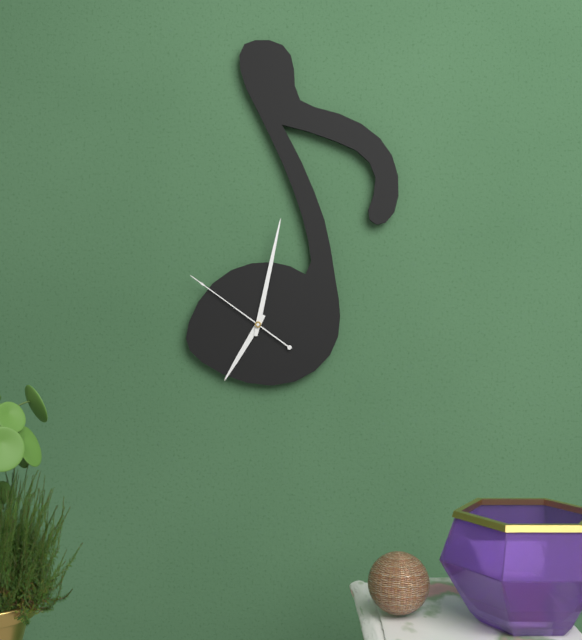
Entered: 7h02m51s
